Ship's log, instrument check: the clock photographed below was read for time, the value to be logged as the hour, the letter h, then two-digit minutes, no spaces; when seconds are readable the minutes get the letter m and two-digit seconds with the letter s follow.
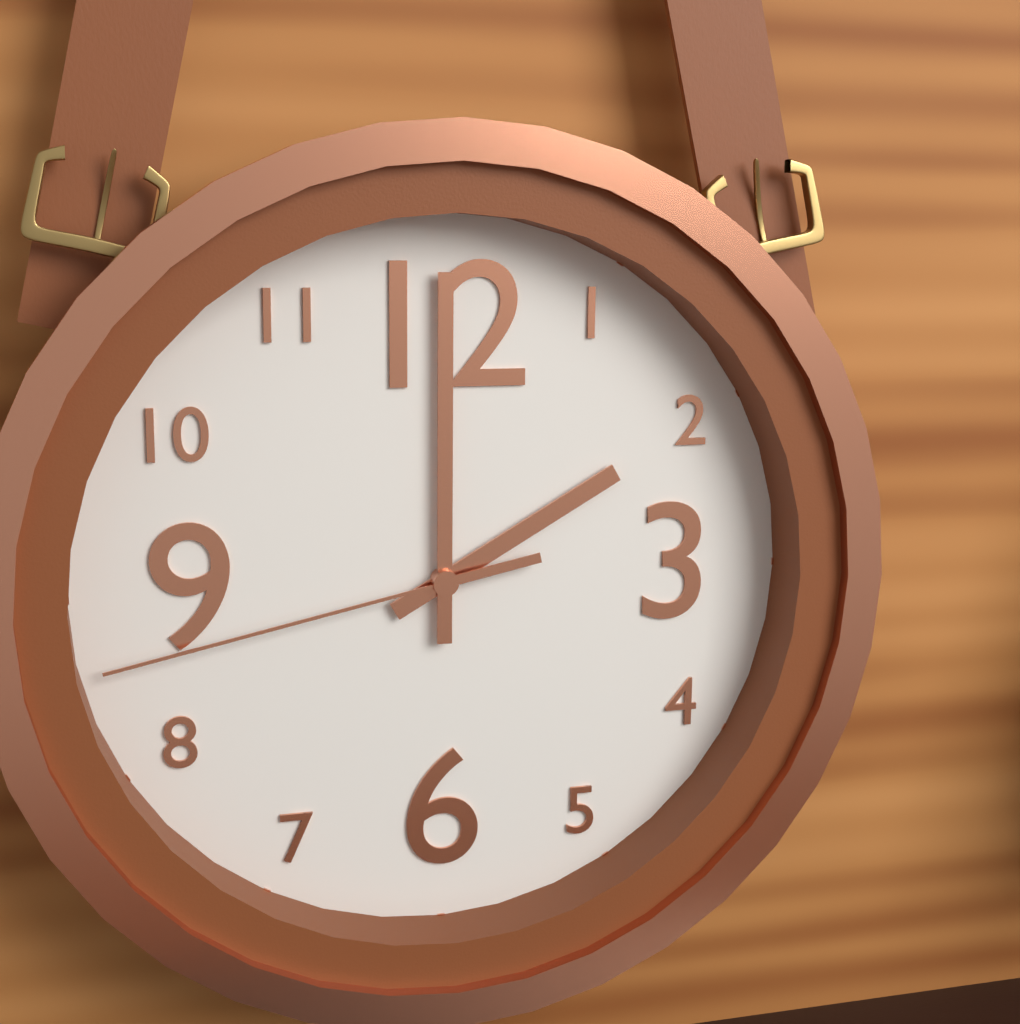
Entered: 2h00m43s
